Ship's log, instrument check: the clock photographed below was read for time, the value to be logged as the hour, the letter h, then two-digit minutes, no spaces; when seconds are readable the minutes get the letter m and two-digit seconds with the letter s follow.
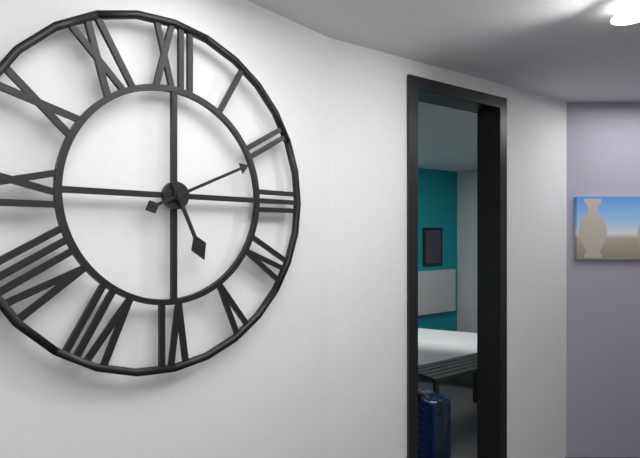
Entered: 5h11
